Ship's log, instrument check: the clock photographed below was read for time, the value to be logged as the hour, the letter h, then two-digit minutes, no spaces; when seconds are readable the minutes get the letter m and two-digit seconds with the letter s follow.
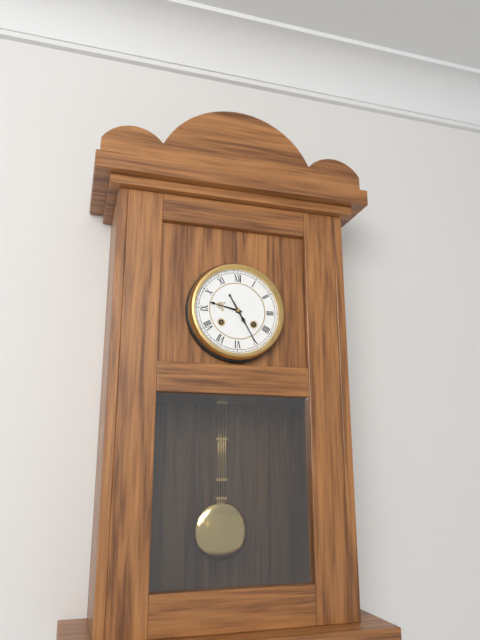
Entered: 9h25
